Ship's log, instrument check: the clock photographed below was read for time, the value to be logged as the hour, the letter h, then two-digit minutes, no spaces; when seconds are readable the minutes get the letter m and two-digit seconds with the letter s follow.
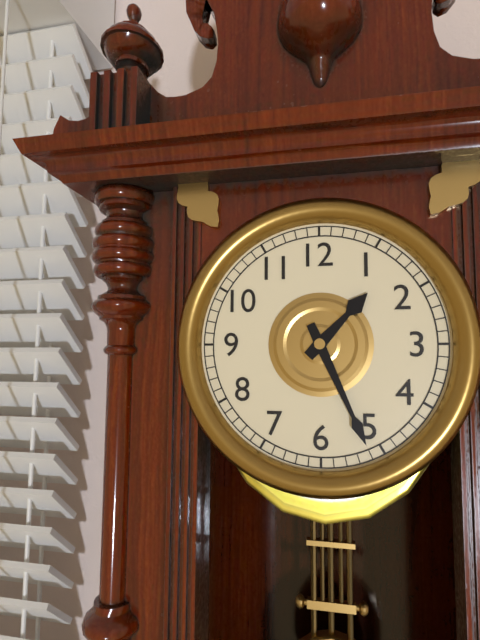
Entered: 1h26
